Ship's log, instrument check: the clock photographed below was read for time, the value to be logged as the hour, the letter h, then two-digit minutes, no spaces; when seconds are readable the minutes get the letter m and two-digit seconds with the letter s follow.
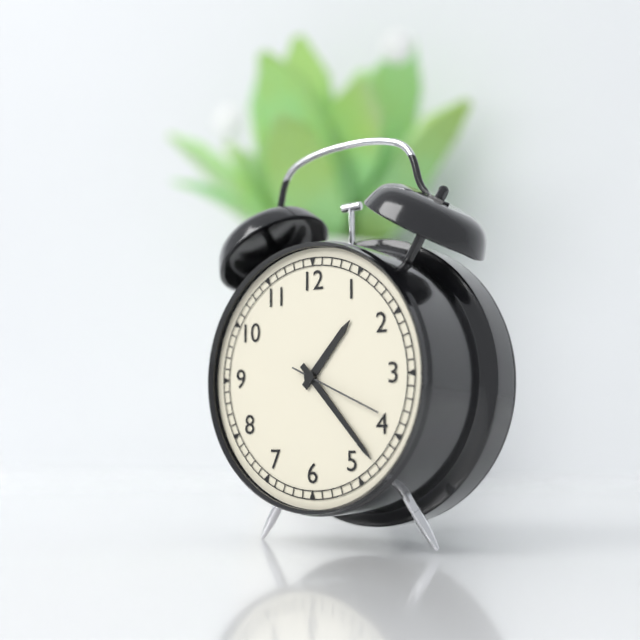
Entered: 1h23m19s
